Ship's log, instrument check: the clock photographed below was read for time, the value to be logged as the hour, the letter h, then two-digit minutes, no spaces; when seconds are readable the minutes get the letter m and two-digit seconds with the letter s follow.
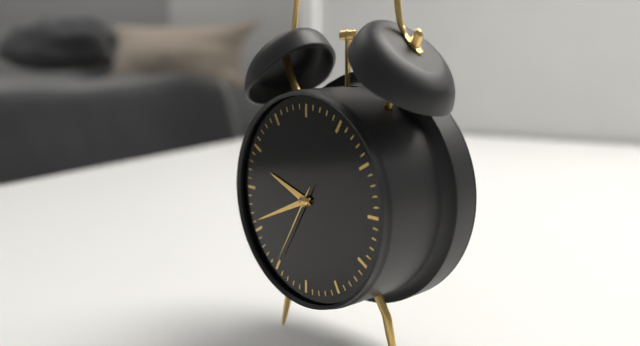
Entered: 9h41m35s
